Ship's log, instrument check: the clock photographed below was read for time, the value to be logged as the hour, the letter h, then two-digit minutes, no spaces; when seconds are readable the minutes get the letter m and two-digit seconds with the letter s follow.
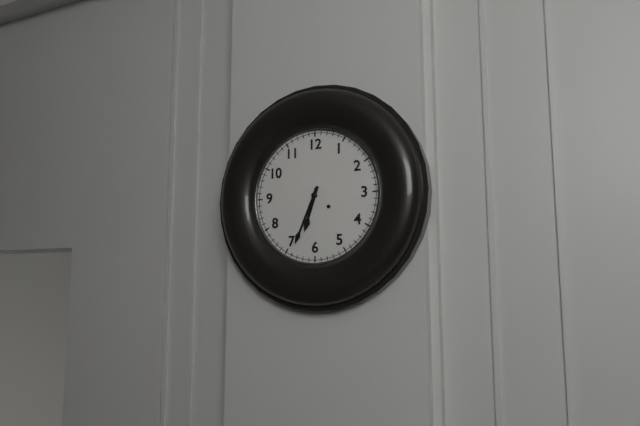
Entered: 6h34
